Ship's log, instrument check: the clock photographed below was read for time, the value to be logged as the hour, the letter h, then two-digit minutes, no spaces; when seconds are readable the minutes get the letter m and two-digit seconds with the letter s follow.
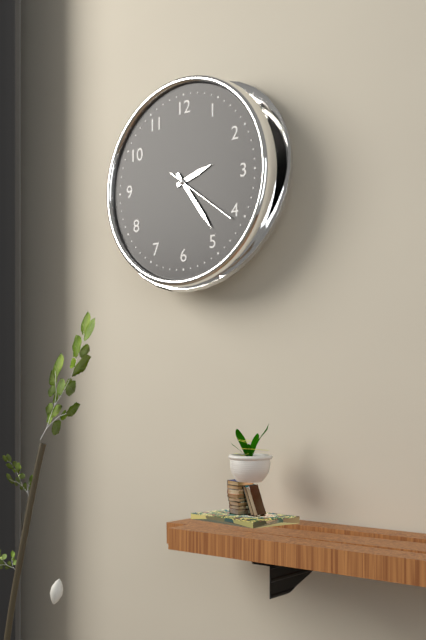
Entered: 2h24m21s
